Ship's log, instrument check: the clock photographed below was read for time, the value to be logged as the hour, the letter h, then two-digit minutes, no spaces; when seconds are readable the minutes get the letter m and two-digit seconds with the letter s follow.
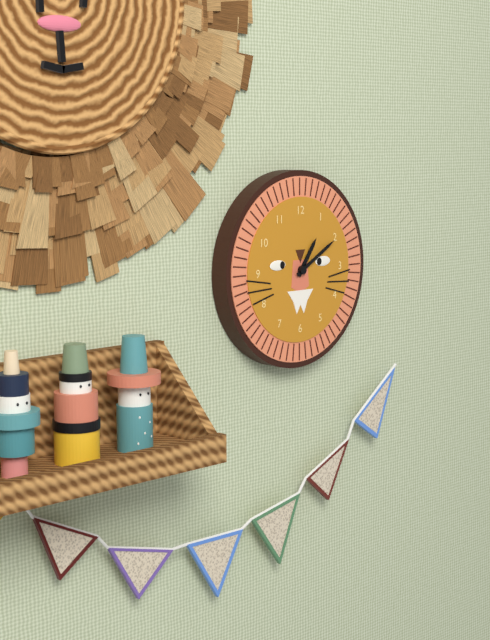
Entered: 1h10
